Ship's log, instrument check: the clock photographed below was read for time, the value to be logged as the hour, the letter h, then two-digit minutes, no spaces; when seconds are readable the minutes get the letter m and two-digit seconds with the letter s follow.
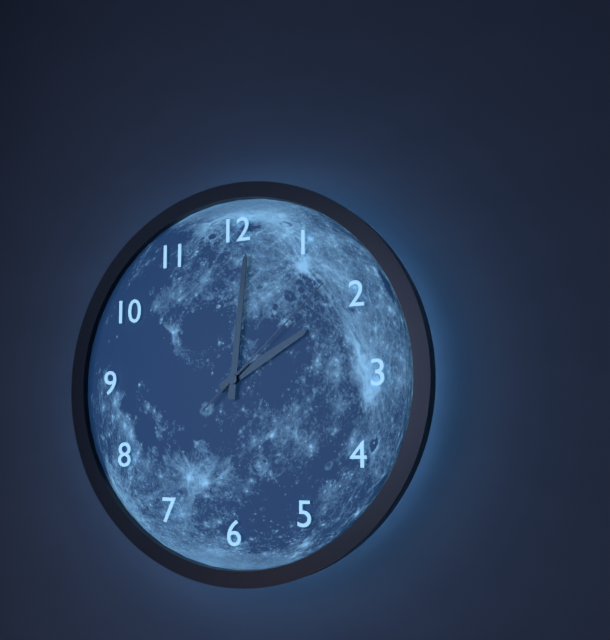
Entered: 2h01m08s
